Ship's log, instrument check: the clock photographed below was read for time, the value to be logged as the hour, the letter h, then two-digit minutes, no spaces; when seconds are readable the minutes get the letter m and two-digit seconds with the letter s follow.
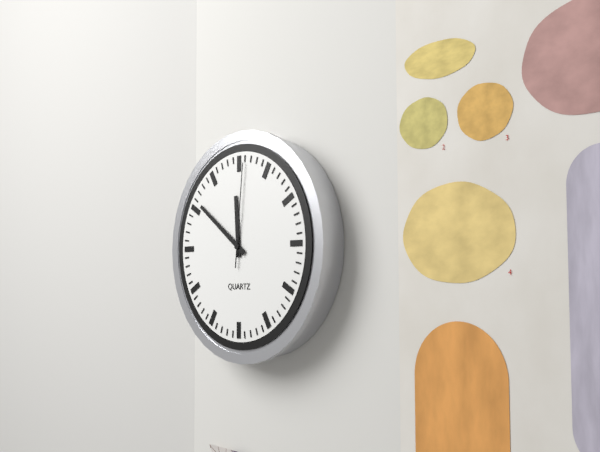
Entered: 11h51m01s
